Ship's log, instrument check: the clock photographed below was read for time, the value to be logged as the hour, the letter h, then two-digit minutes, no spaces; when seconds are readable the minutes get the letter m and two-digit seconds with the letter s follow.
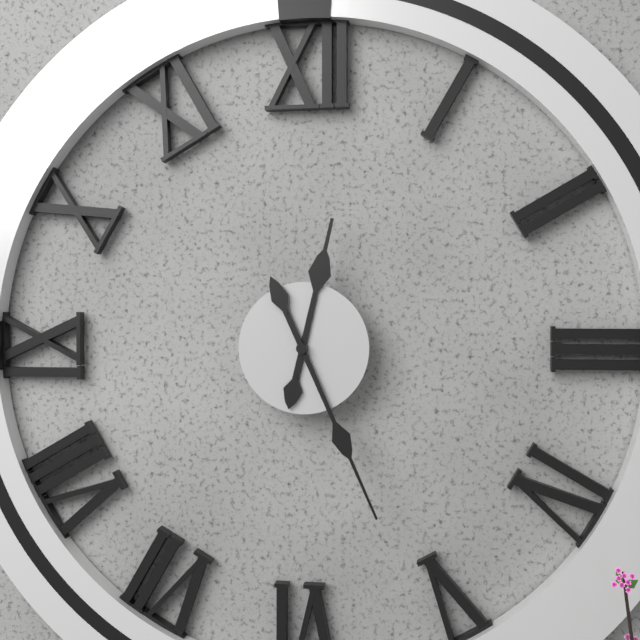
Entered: 12h26
